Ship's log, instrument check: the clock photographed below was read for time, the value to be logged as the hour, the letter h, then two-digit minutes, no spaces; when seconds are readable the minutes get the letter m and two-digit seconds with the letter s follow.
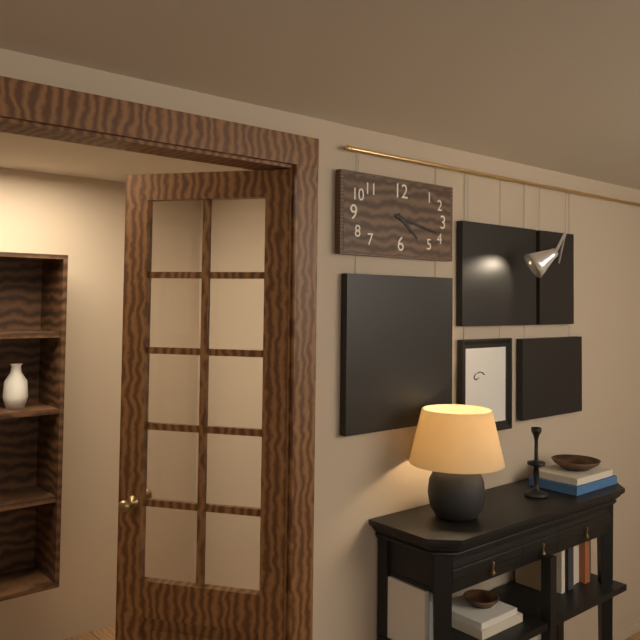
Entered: 4h17
